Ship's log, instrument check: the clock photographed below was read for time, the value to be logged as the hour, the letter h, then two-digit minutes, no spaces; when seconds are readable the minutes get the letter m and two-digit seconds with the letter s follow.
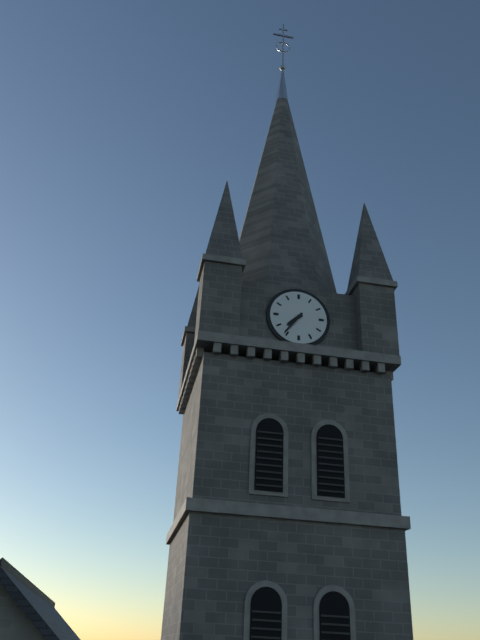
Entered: 7h36
